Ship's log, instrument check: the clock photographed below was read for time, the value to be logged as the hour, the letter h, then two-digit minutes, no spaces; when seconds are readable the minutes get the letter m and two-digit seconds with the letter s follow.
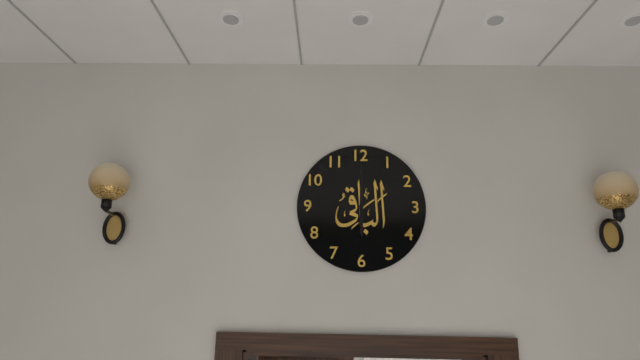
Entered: 6h00
